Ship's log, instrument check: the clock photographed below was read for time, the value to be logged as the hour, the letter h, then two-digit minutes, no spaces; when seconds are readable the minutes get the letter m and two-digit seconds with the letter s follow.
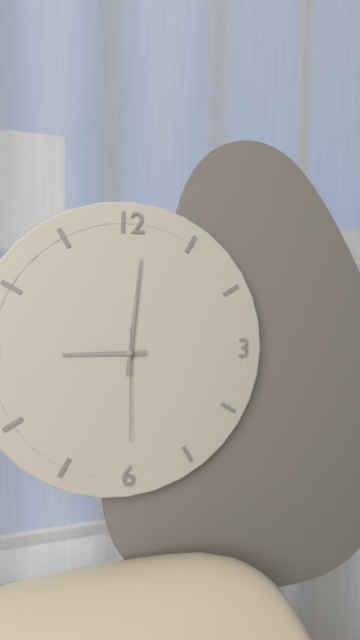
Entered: 9h01m30s
